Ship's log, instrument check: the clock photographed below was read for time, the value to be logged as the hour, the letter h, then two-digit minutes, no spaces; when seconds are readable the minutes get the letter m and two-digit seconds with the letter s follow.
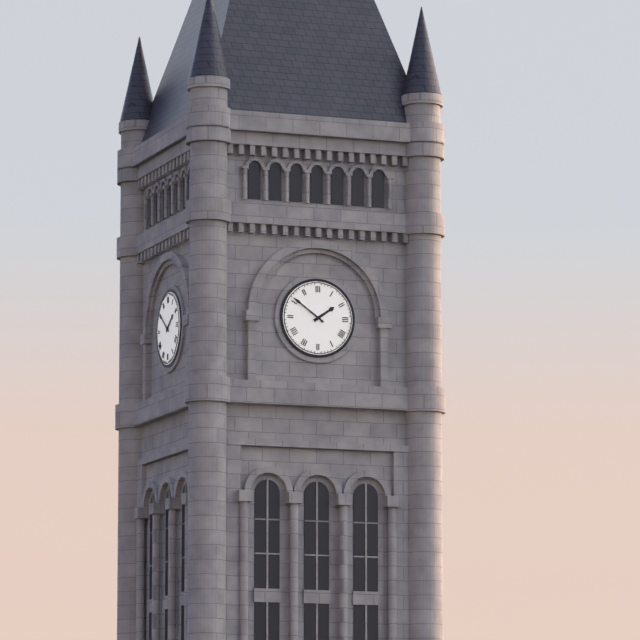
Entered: 1h51
